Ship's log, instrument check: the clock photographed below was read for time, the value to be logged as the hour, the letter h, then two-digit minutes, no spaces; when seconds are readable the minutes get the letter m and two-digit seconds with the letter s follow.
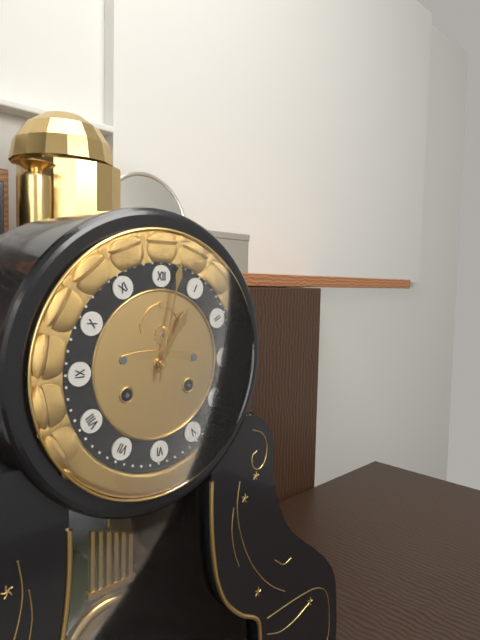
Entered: 1h02
